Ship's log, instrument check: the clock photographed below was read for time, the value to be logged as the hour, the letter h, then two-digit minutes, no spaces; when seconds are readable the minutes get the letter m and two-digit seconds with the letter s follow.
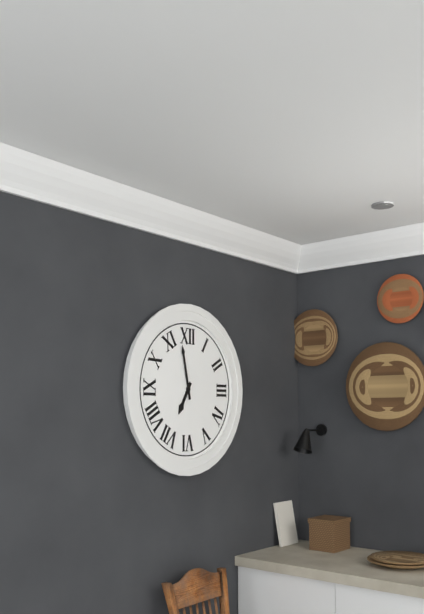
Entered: 6h58
